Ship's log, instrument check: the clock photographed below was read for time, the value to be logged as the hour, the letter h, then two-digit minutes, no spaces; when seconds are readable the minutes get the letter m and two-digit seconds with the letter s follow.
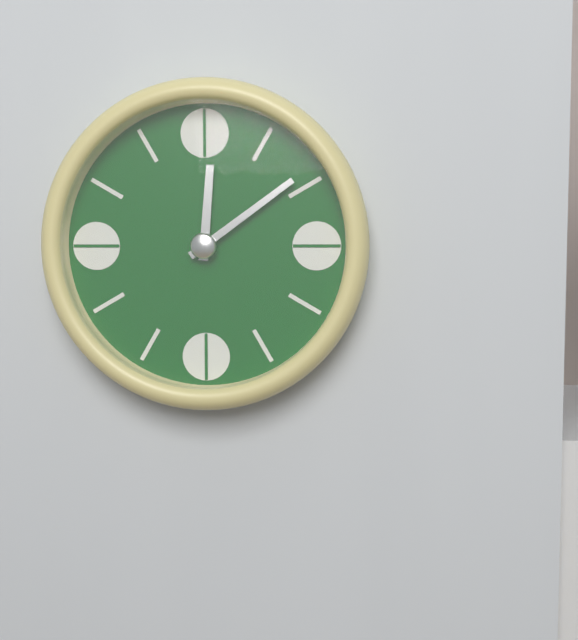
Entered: 12h09
